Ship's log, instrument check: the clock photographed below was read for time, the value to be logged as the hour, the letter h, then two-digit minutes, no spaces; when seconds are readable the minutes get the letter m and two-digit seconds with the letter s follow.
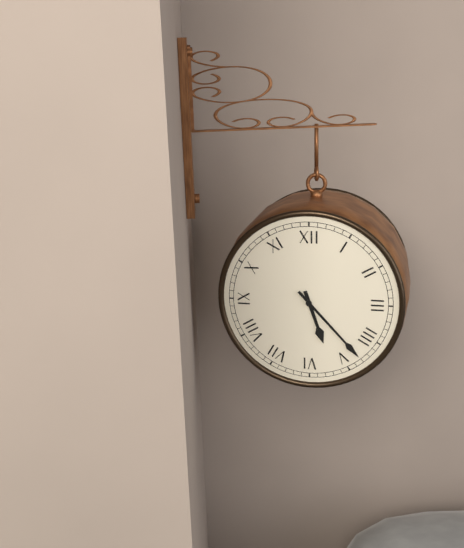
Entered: 5h23
